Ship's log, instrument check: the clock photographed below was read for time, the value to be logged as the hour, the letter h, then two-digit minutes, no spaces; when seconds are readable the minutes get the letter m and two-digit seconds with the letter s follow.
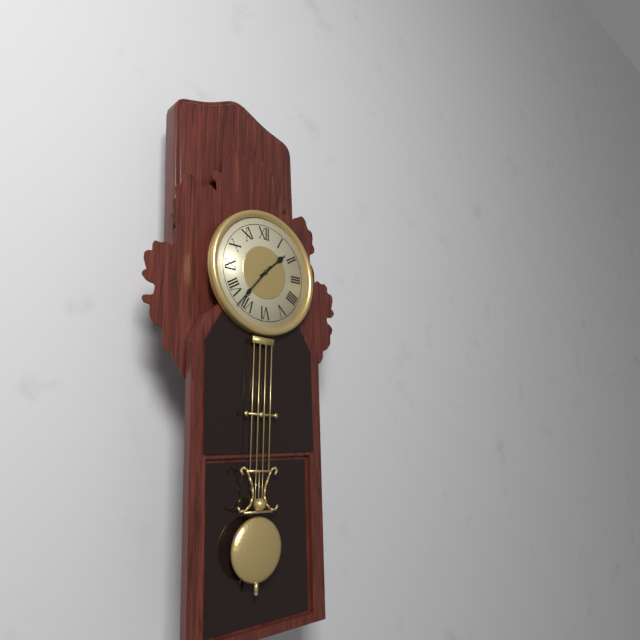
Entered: 1h37
